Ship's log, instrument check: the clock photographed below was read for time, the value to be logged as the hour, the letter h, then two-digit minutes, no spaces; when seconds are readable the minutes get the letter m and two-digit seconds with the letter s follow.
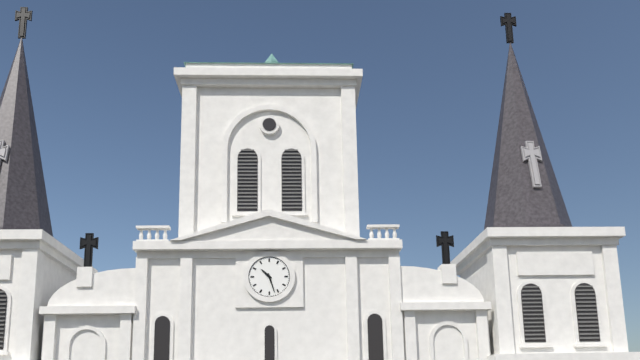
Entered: 10h27
